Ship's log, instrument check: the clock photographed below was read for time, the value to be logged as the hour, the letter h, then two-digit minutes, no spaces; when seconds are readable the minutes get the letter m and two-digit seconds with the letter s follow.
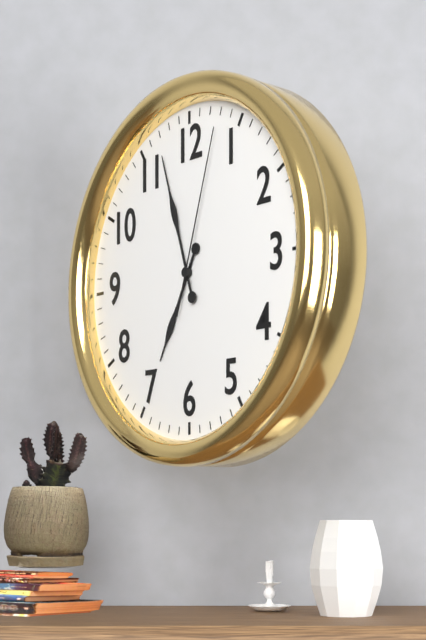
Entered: 6h57m03s
